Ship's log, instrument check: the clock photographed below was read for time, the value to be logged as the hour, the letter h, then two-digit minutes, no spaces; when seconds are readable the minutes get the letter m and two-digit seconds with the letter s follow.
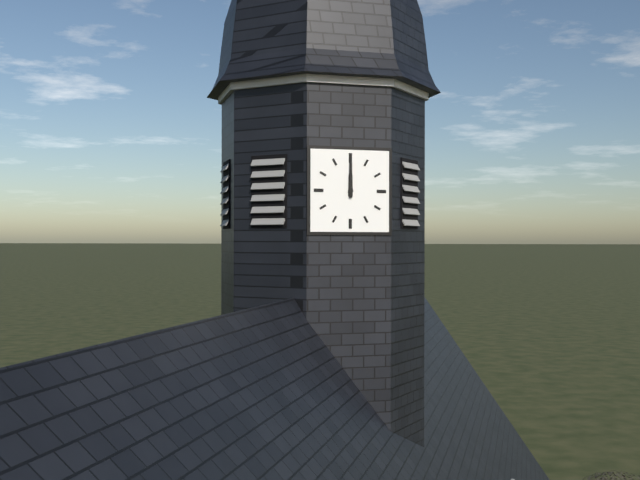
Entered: 12h00
